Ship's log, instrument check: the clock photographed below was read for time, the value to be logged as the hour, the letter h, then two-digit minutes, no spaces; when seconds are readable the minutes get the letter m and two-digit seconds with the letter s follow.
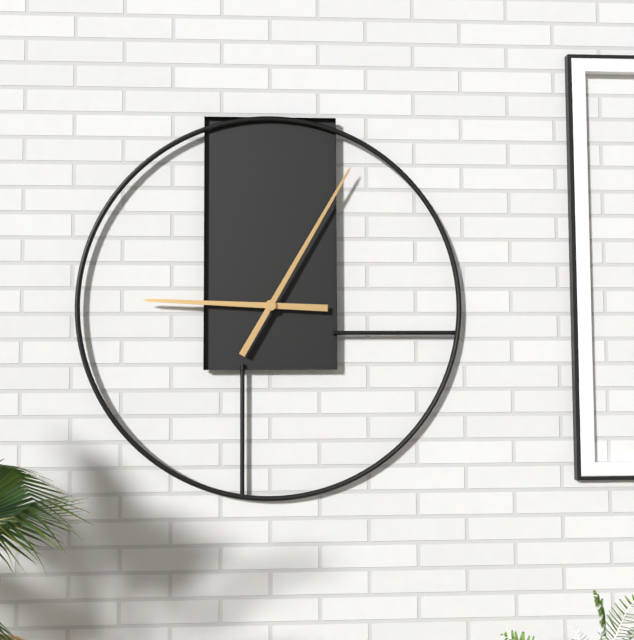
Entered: 9h05
